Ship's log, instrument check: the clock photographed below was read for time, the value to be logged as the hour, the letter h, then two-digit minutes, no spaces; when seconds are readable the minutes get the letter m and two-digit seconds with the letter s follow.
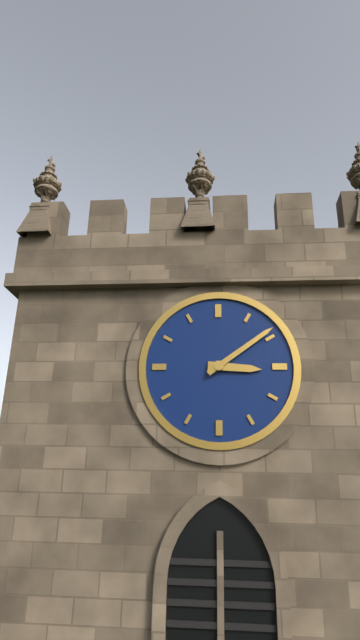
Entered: 3h09
